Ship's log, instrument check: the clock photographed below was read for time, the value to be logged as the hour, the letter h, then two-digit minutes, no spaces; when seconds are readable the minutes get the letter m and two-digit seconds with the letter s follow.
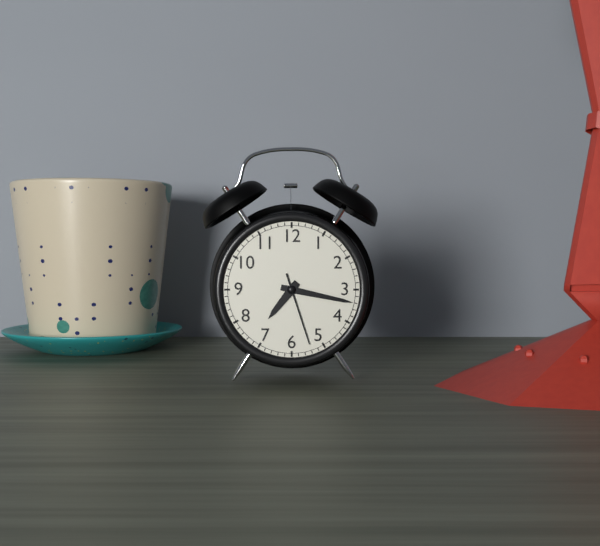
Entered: 7h17m27s
